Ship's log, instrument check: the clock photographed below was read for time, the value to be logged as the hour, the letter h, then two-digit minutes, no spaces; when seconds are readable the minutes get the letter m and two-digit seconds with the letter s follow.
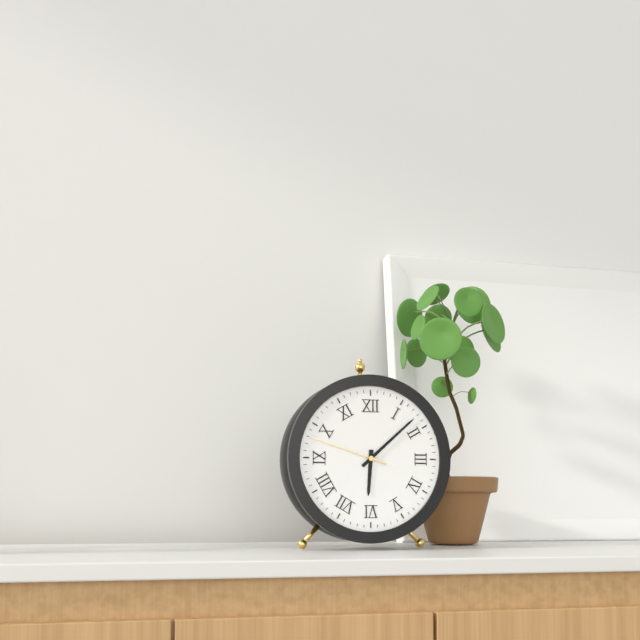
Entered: 6h08m48s
